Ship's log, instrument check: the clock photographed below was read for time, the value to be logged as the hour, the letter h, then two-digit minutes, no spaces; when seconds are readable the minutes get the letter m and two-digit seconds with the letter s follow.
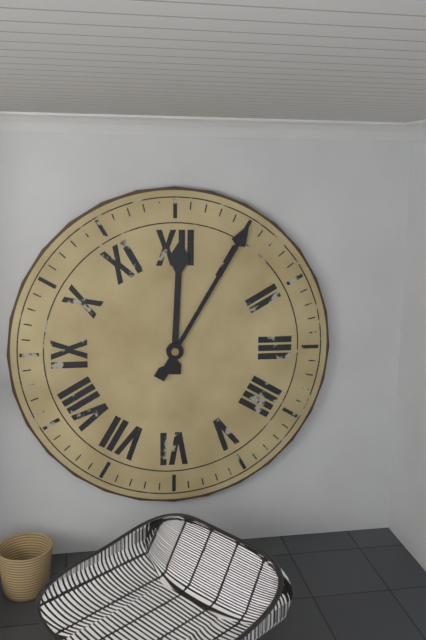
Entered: 12h05
